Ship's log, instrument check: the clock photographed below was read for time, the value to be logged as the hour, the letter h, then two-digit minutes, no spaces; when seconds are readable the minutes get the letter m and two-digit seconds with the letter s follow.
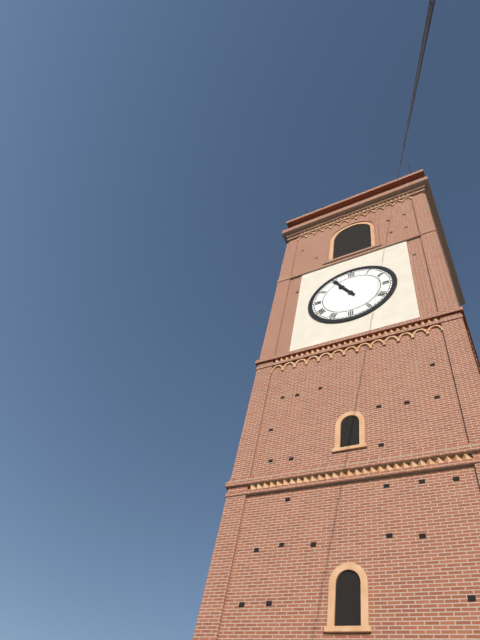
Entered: 10h55
